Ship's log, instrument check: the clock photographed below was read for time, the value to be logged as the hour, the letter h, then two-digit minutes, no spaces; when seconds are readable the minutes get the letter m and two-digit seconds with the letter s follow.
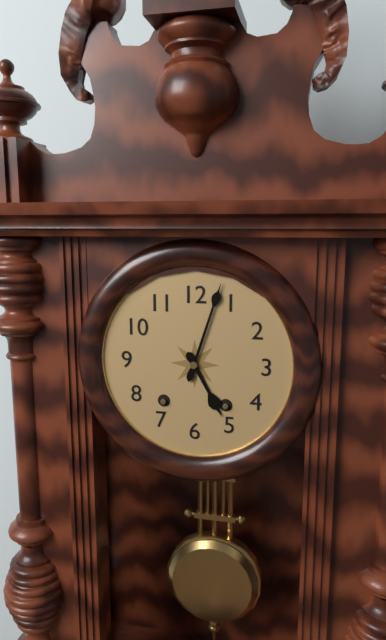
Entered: 5h03
